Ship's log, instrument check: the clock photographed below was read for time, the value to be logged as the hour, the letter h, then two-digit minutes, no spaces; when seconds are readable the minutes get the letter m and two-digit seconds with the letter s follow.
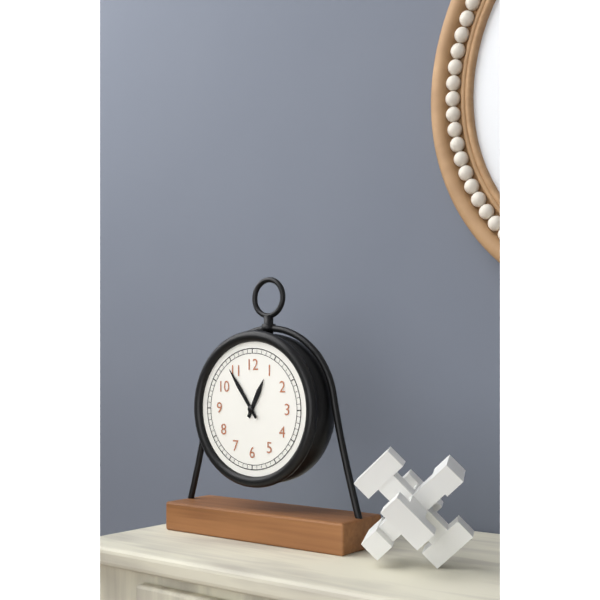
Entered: 12h54
